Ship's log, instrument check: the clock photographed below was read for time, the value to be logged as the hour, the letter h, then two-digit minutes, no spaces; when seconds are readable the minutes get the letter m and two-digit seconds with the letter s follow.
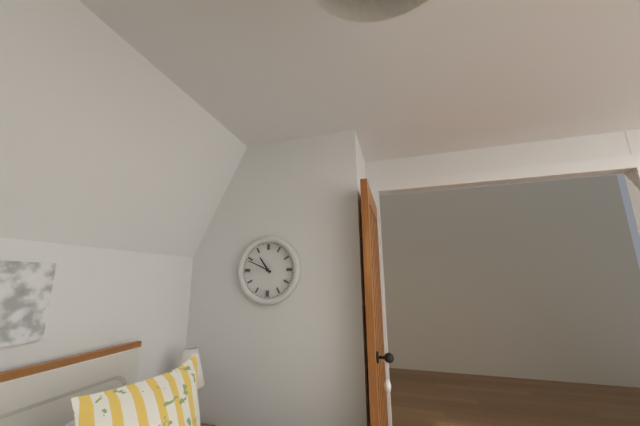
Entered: 10h49
